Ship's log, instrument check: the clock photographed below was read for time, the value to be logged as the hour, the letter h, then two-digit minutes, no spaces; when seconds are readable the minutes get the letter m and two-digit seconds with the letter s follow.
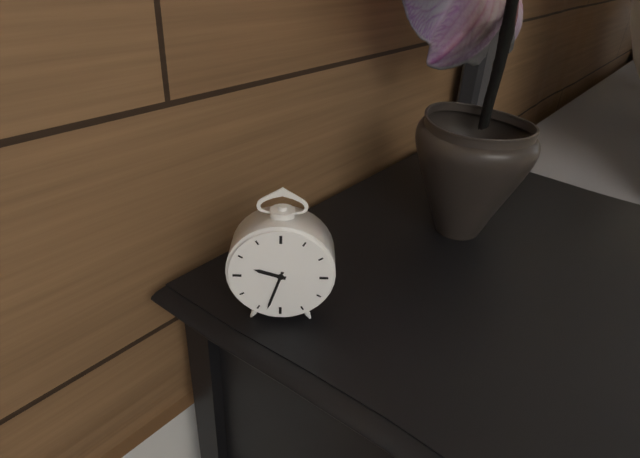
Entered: 9h33
